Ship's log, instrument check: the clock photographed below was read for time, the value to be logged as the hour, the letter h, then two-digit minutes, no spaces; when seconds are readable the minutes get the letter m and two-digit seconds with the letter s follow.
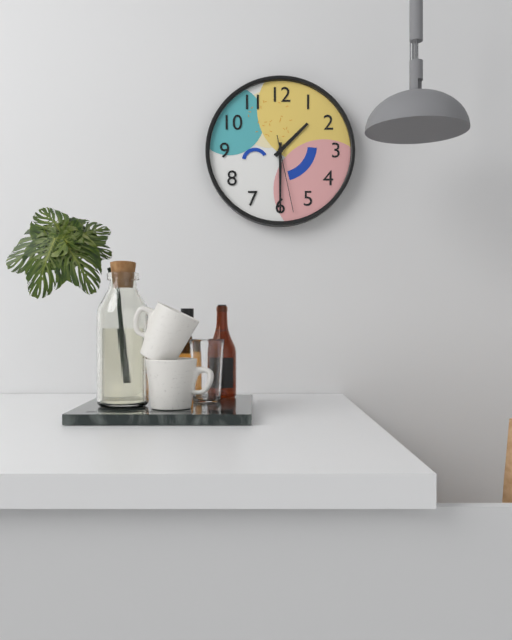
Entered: 1h30m28s
